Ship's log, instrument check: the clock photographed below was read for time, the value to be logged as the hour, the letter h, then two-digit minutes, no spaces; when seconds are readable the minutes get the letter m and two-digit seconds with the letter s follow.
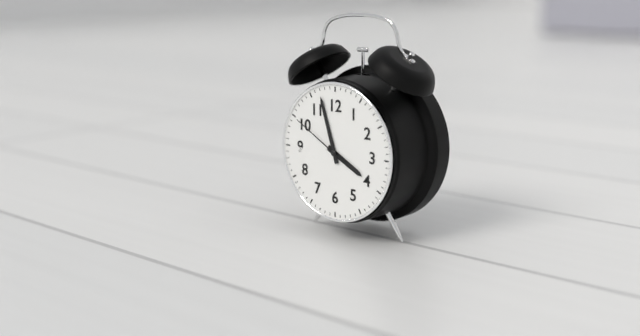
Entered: 3h57m50s
